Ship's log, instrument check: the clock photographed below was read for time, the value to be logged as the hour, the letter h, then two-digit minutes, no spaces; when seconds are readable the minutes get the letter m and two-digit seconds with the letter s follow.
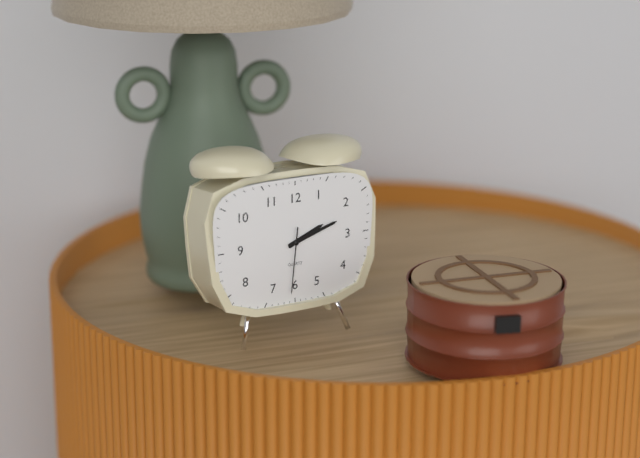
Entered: 2h12m31s
